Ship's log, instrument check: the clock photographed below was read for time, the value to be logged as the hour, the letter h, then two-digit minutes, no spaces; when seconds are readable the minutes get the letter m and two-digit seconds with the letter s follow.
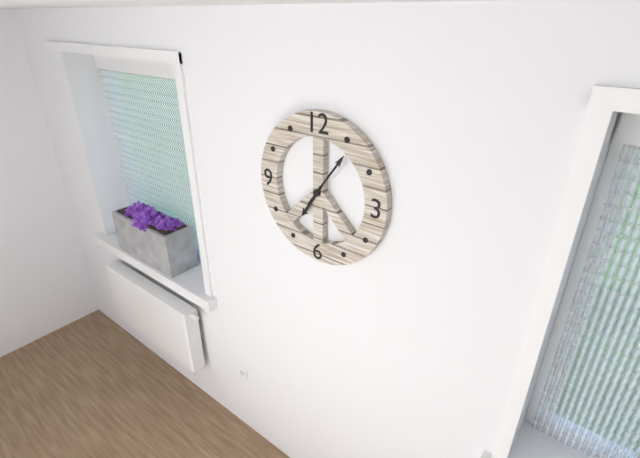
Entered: 7h06
